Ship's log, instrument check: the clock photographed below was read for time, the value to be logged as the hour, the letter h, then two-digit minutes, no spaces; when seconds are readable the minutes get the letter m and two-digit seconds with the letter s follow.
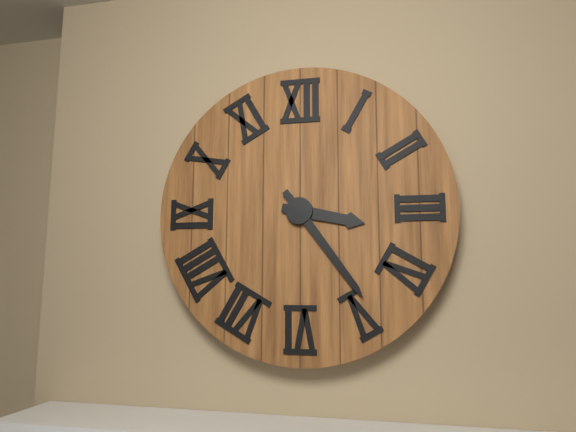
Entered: 3h24
